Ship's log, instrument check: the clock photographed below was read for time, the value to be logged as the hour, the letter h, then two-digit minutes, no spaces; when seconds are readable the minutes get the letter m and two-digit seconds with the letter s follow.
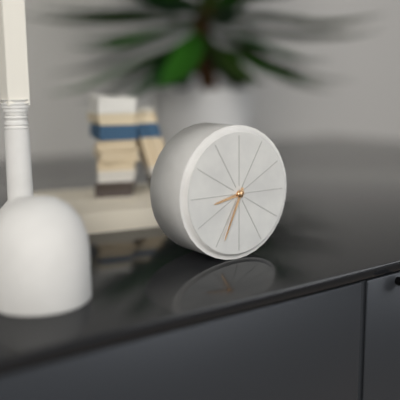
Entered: 8h34
